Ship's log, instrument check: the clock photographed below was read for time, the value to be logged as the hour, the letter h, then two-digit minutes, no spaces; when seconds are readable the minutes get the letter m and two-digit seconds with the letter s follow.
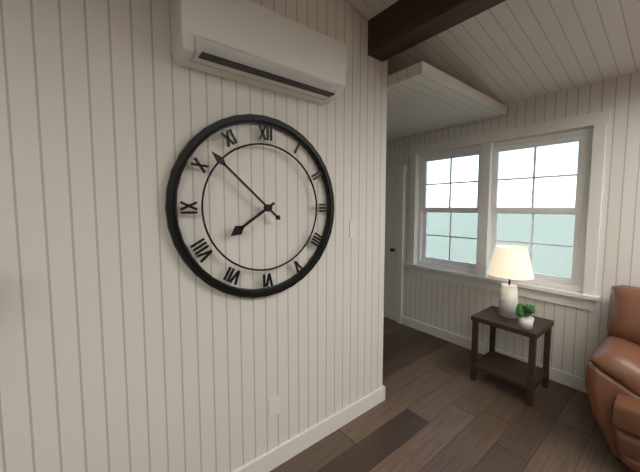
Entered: 7h52
